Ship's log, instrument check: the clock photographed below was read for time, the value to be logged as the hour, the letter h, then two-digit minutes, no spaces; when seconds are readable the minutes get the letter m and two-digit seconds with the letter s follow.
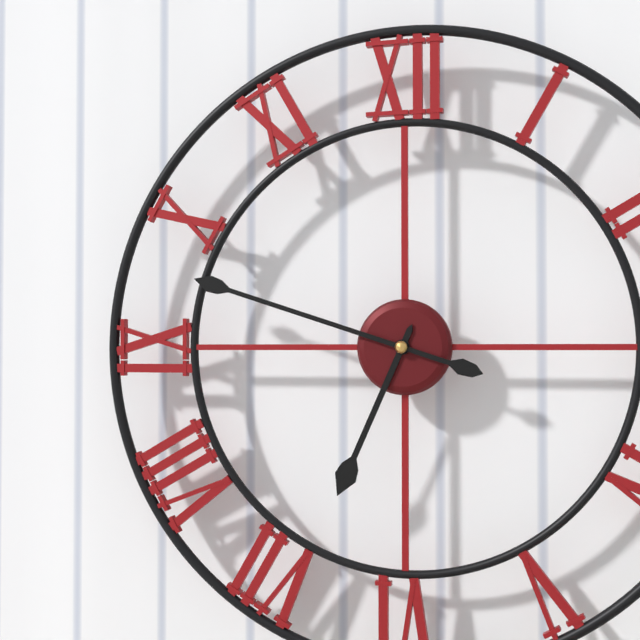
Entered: 6h48
